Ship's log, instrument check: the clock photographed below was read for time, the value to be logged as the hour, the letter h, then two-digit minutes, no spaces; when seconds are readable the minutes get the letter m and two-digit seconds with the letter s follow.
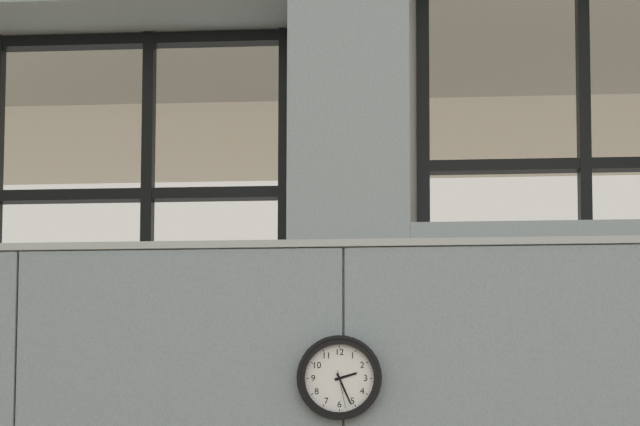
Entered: 2h26
